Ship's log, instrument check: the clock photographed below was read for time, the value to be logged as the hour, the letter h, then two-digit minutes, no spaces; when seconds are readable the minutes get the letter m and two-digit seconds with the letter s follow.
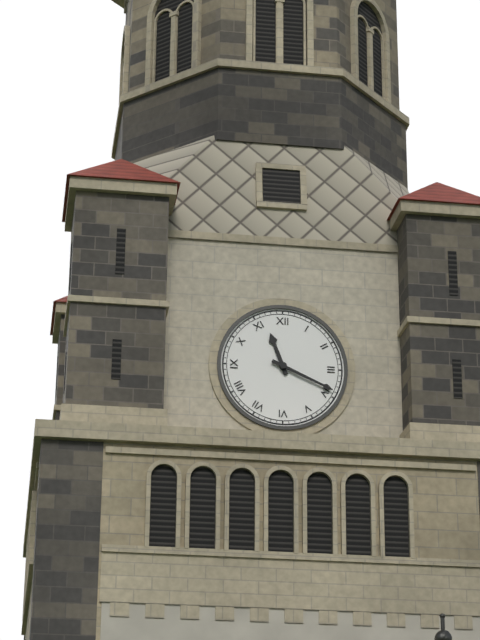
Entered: 11h19
